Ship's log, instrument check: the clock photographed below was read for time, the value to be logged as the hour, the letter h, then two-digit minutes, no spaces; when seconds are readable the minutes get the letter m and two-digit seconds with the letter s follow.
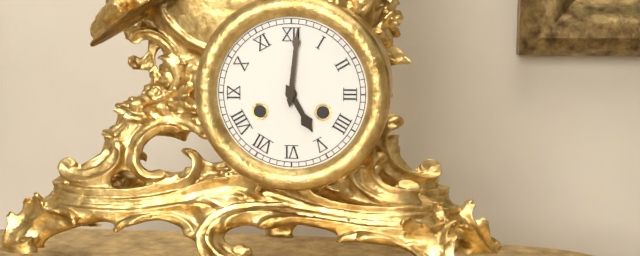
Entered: 5h01
